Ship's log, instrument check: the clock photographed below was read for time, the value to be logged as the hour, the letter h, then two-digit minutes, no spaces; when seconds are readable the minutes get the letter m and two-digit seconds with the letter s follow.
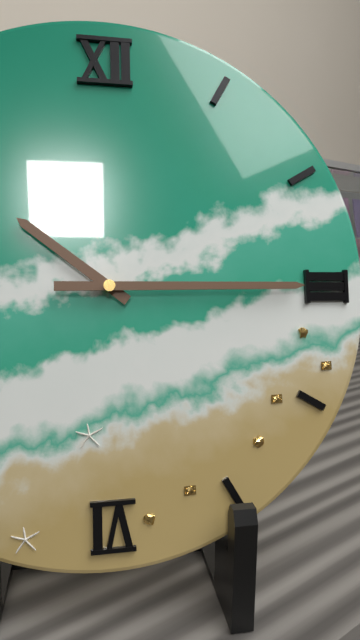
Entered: 10h15
